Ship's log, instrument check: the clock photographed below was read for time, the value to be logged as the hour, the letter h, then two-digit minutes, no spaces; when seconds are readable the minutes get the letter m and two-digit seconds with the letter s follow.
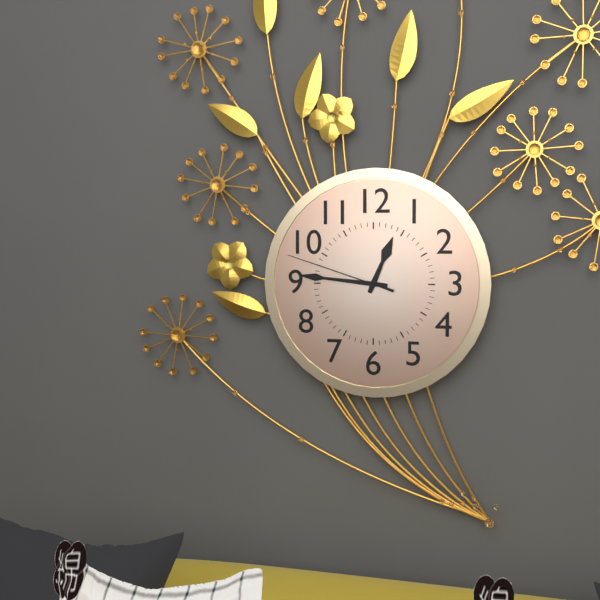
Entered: 12h46m48s
